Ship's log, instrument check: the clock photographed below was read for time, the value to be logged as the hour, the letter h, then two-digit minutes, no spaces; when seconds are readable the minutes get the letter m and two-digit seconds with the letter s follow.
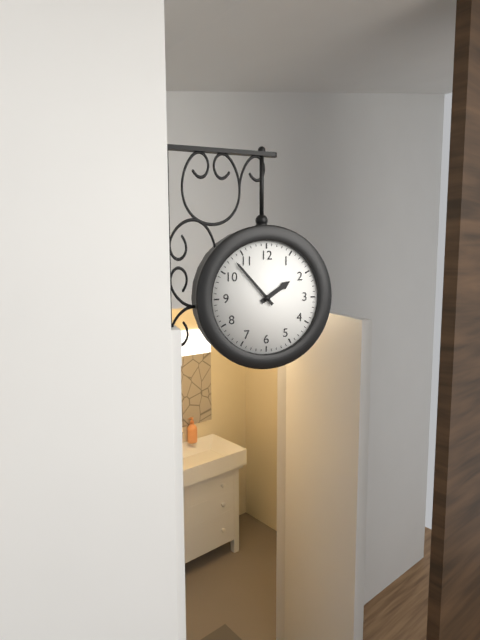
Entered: 1h53
